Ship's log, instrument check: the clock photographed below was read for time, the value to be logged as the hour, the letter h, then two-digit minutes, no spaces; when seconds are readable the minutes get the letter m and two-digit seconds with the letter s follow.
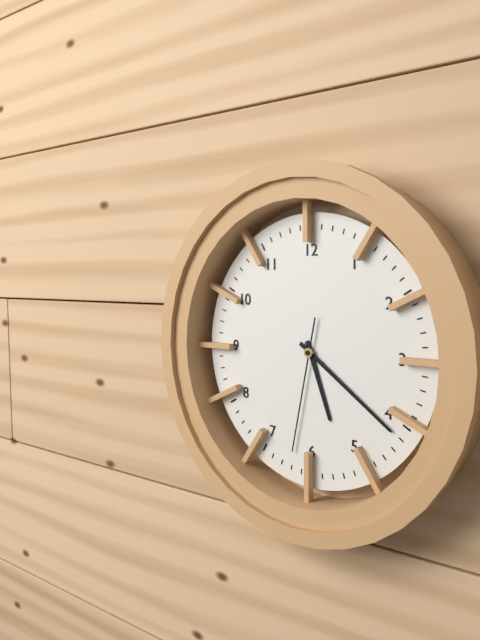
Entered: 5h21m32s
